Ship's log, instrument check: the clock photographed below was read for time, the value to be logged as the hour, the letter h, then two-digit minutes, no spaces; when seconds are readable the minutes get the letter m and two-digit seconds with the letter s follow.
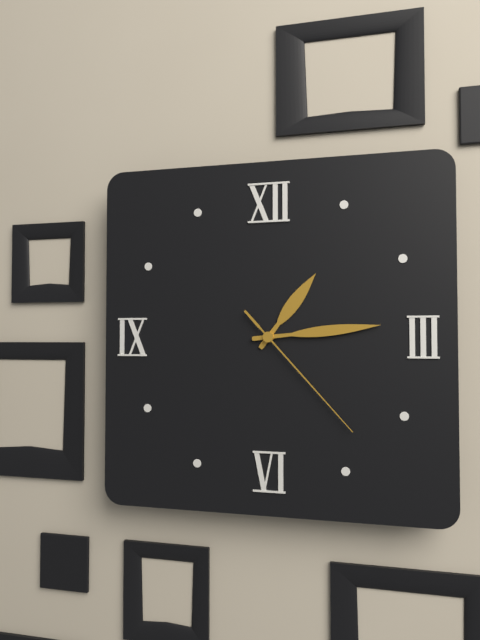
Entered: 1h14m23s
